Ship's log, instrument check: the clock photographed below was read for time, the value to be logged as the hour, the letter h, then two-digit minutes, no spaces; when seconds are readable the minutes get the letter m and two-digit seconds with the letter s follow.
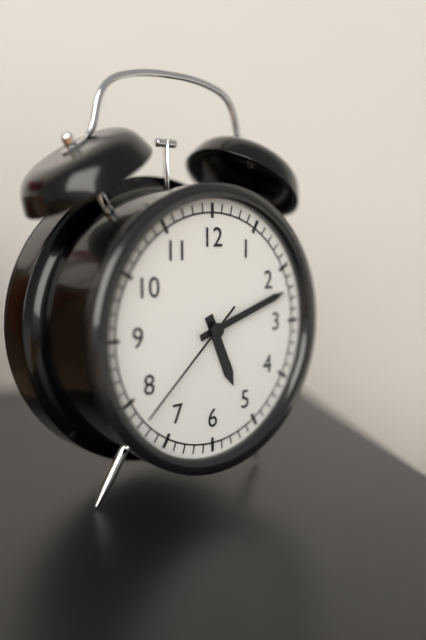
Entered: 5h12m38s
